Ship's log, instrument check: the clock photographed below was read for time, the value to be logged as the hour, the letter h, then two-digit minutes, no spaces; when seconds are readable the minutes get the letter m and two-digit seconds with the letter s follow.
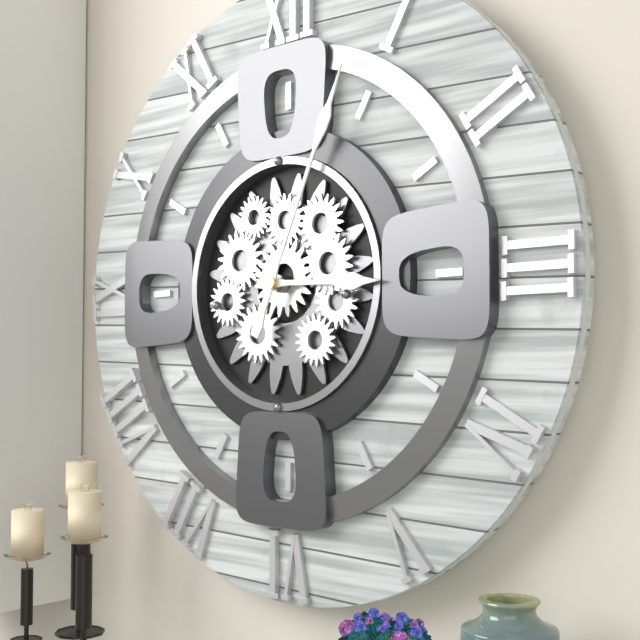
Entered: 3h04
